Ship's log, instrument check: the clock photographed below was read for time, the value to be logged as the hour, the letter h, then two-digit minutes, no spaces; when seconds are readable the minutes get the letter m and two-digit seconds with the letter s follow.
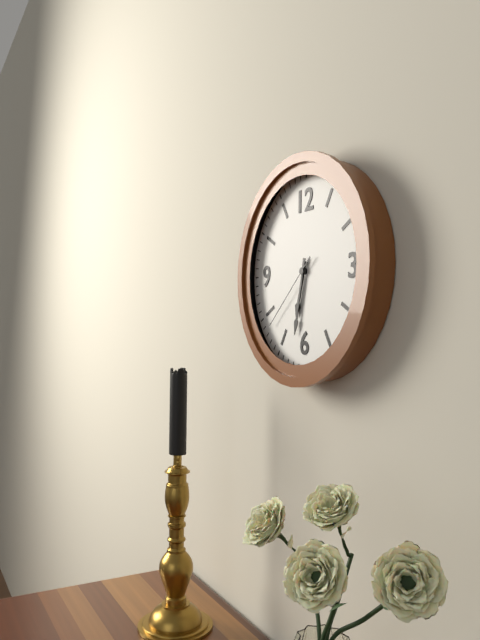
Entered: 6h32m38s
